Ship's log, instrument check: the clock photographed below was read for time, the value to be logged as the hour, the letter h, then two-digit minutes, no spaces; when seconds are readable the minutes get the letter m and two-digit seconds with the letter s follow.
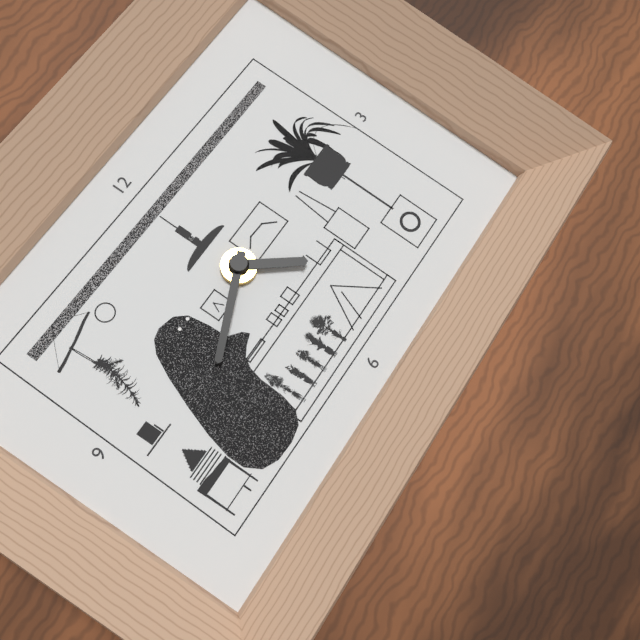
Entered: 4h41
